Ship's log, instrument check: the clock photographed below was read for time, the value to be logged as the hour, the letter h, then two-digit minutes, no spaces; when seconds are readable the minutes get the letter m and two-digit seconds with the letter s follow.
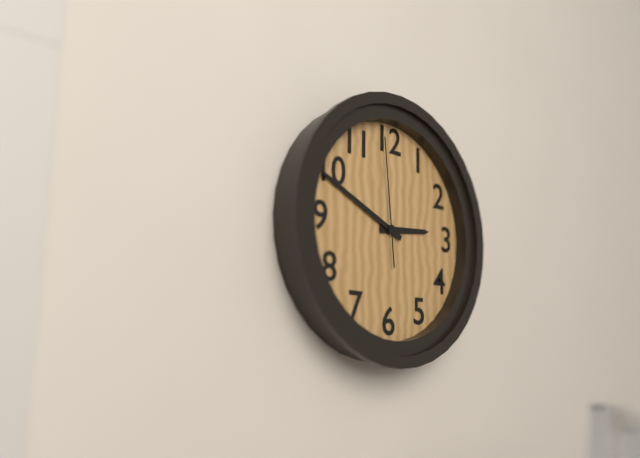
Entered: 2h49m59s
